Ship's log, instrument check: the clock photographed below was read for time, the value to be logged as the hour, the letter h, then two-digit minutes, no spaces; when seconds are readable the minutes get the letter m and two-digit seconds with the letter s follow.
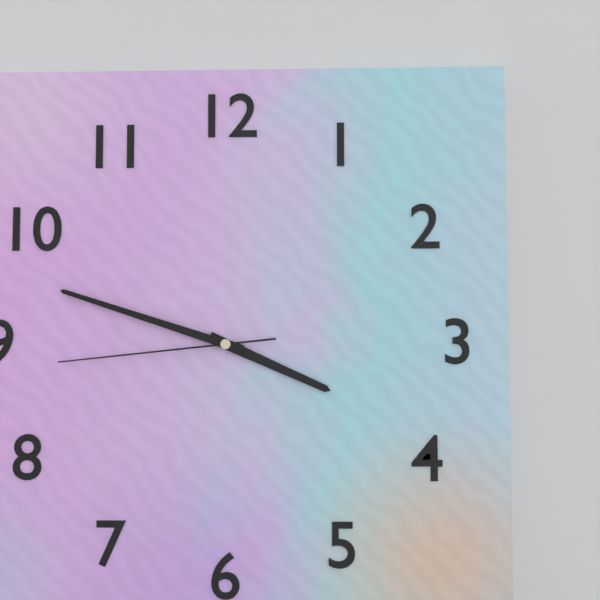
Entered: 3h48m44s
